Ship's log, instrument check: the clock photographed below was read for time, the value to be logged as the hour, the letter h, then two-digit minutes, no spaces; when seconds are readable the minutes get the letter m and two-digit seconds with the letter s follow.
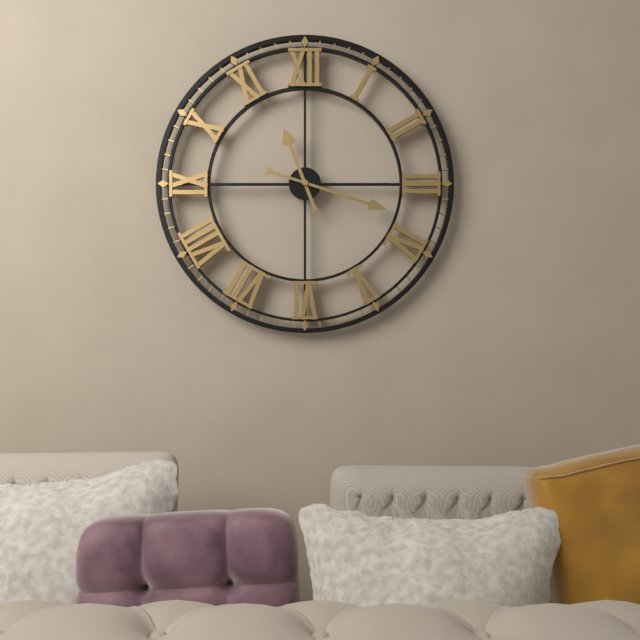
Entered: 11h18
